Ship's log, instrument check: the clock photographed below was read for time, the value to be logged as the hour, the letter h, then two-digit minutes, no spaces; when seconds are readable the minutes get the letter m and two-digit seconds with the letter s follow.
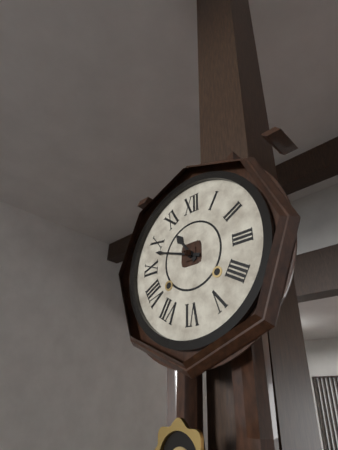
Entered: 10h48
